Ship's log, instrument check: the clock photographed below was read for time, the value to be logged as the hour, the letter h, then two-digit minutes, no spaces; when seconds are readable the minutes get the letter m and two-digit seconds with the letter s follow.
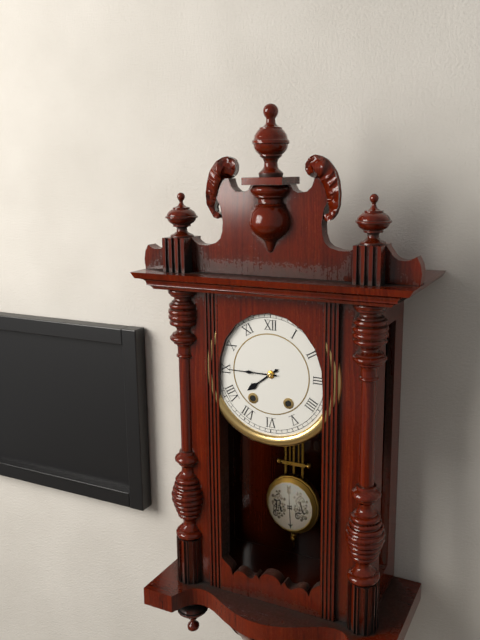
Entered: 7h45
